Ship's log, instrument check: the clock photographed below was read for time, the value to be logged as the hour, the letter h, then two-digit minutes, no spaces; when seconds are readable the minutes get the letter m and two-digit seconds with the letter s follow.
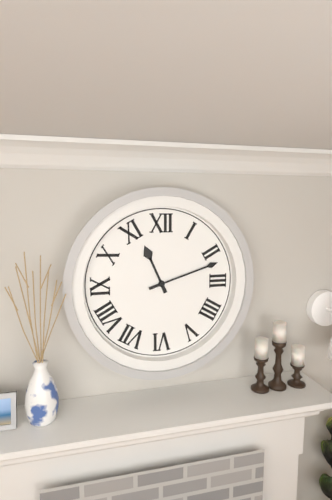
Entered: 11h12
